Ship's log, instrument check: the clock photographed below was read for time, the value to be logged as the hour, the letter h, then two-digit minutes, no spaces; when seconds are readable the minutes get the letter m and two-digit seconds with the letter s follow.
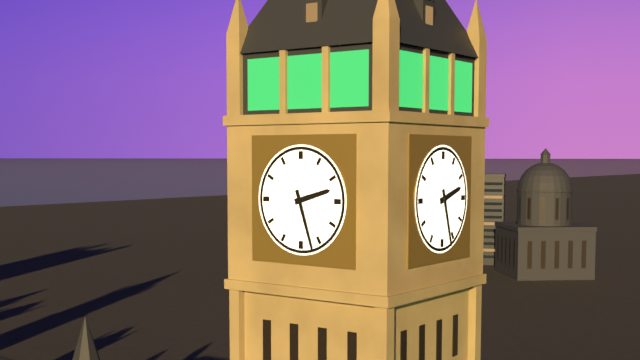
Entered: 2h27
